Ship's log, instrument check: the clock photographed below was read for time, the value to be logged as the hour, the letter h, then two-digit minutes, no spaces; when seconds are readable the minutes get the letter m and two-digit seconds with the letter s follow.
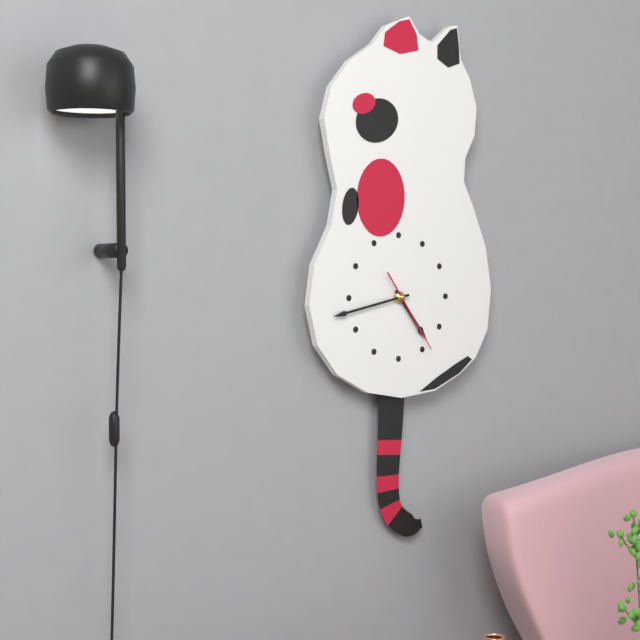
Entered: 4h43m24s
